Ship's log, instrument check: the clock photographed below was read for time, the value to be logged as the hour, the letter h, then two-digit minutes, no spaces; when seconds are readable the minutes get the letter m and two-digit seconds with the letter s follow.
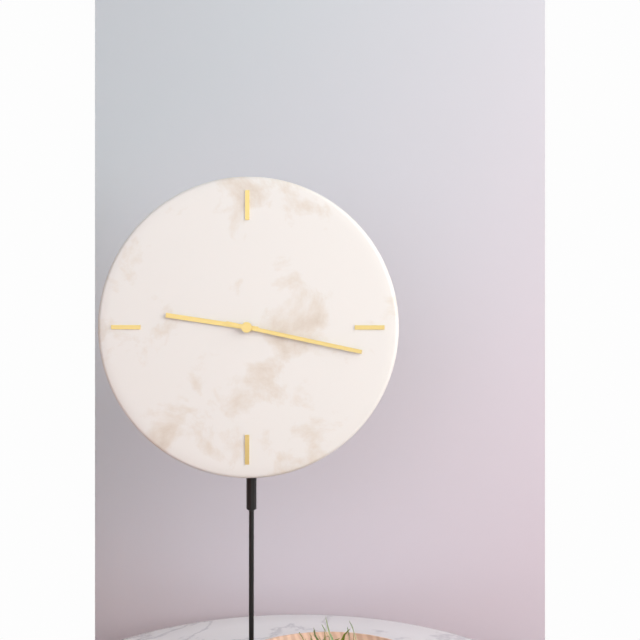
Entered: 9h17
